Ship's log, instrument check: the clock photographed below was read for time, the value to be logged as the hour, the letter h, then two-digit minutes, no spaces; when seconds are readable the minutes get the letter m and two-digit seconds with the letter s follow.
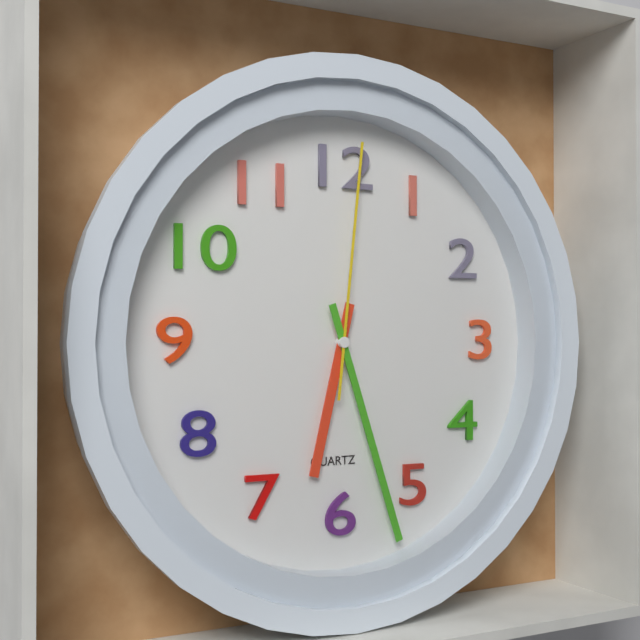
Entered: 6h27m01s
